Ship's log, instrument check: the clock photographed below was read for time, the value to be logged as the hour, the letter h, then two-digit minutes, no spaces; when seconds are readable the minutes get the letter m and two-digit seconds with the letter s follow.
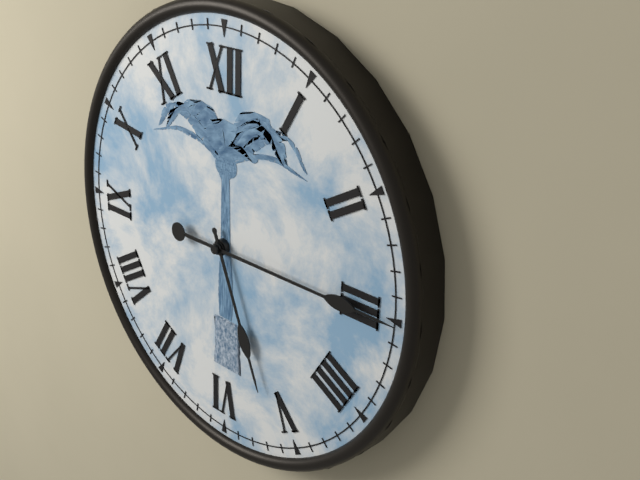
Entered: 5h15
